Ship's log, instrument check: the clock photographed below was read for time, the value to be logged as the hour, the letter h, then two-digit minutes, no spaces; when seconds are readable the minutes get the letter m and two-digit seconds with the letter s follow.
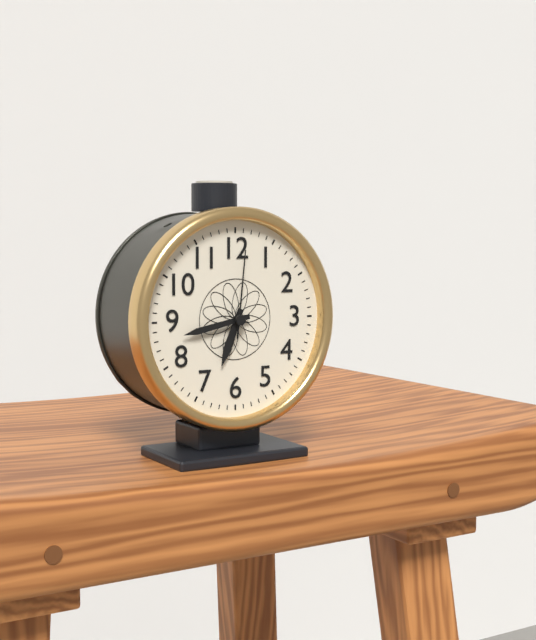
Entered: 6h43m01s
